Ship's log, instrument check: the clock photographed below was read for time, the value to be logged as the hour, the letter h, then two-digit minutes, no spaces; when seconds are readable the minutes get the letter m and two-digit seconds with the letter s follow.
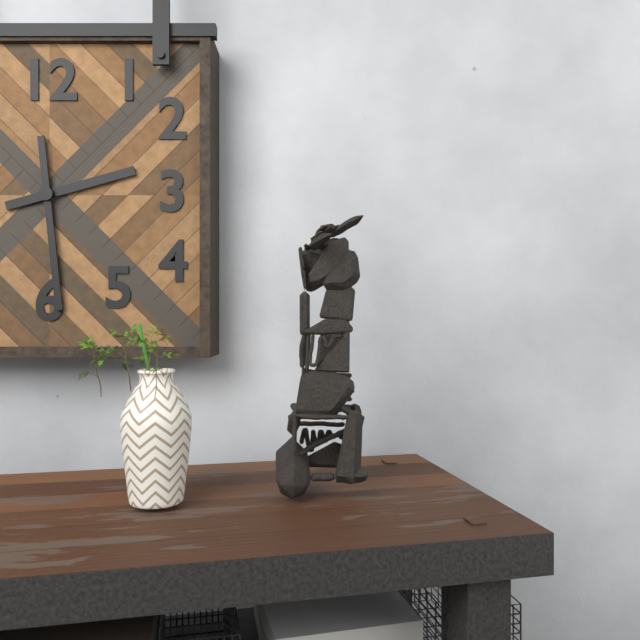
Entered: 2h29
